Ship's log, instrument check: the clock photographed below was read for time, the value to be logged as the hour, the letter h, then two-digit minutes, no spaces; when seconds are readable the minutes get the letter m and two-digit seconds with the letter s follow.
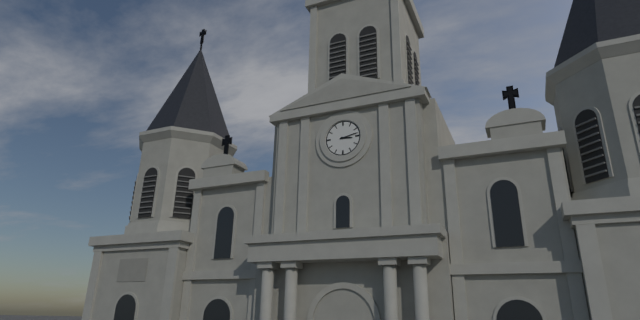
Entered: 3h13
